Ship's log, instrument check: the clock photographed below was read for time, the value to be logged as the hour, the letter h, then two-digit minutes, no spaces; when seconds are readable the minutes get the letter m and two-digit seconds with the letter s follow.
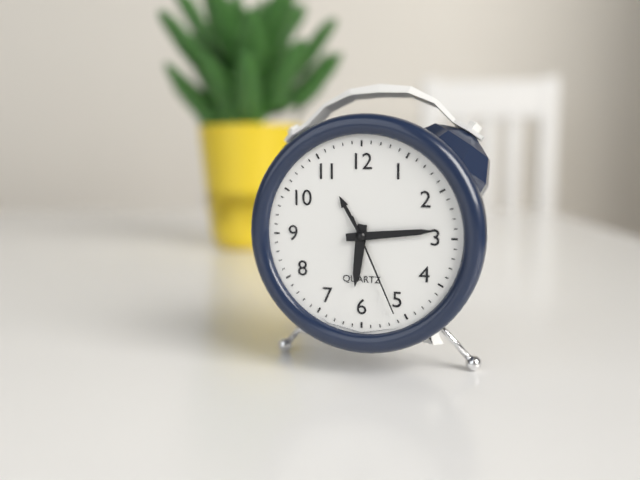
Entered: 6h14m26s
